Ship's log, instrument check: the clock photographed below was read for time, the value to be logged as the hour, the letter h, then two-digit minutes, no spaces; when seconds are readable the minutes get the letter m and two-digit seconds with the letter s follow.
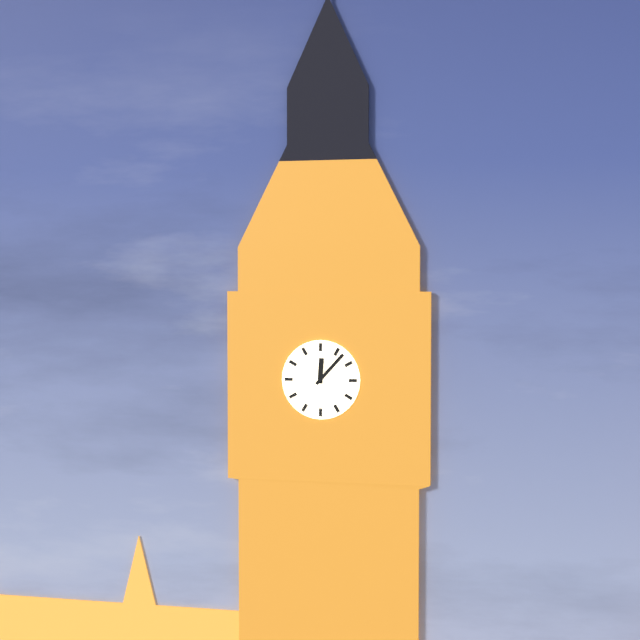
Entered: 12h07
